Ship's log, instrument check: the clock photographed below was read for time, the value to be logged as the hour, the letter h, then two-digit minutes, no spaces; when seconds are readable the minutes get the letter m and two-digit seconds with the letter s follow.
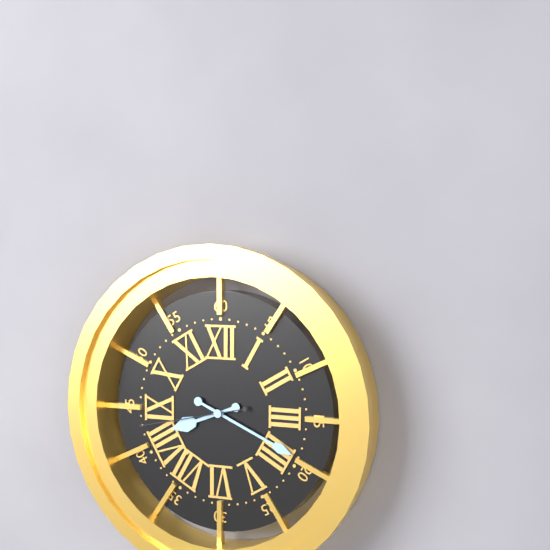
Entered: 8h19m43s
